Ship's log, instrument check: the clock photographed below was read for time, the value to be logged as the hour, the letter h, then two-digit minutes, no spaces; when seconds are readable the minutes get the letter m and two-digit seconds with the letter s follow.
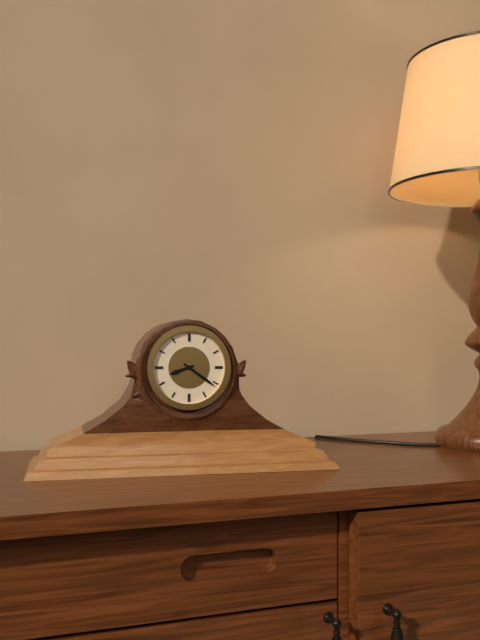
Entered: 8h21
